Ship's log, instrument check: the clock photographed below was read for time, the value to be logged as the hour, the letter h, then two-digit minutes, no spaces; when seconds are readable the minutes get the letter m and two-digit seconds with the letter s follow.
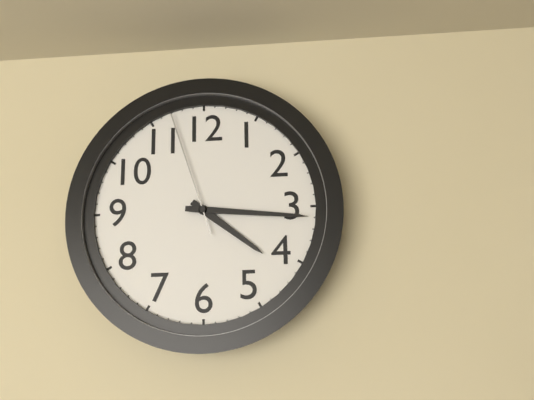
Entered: 4h16m57s
